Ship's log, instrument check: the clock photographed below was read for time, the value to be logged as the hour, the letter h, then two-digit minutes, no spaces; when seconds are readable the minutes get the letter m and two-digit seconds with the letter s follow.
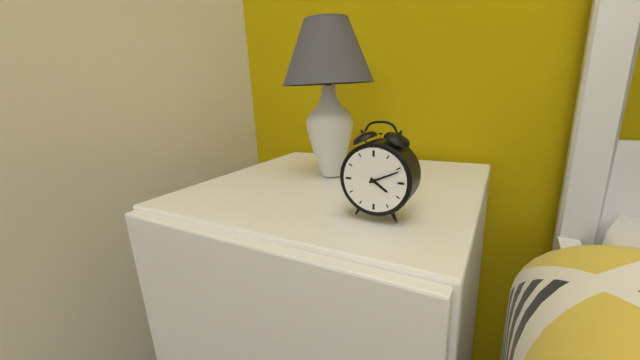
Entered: 4h11
